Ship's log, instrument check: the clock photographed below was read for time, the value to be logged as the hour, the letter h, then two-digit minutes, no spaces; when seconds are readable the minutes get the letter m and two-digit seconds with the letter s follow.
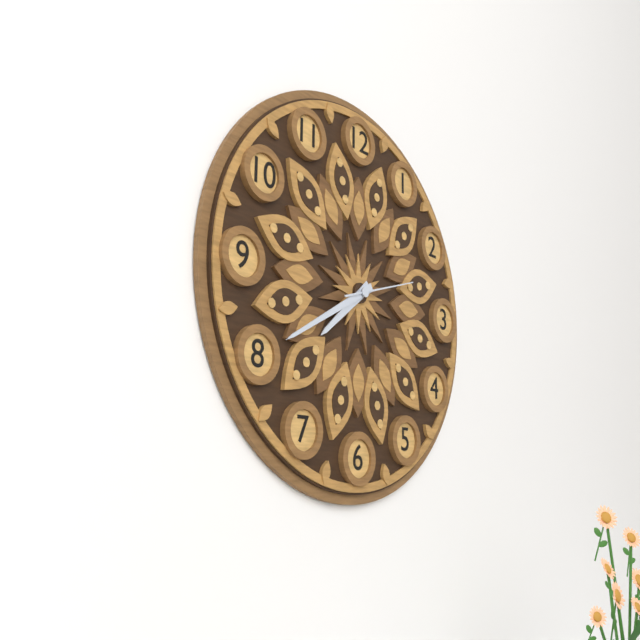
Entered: 7h40m12s
